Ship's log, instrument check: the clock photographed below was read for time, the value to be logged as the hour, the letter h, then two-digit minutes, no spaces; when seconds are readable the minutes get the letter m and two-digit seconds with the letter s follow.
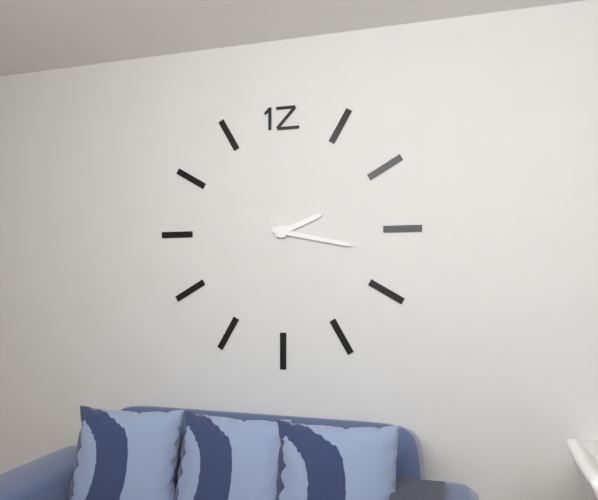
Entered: 2h17
